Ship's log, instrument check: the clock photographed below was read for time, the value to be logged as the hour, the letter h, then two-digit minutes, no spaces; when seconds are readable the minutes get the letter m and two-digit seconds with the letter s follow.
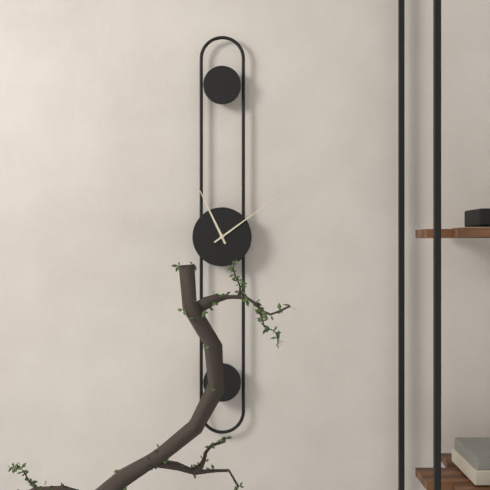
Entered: 11h09
